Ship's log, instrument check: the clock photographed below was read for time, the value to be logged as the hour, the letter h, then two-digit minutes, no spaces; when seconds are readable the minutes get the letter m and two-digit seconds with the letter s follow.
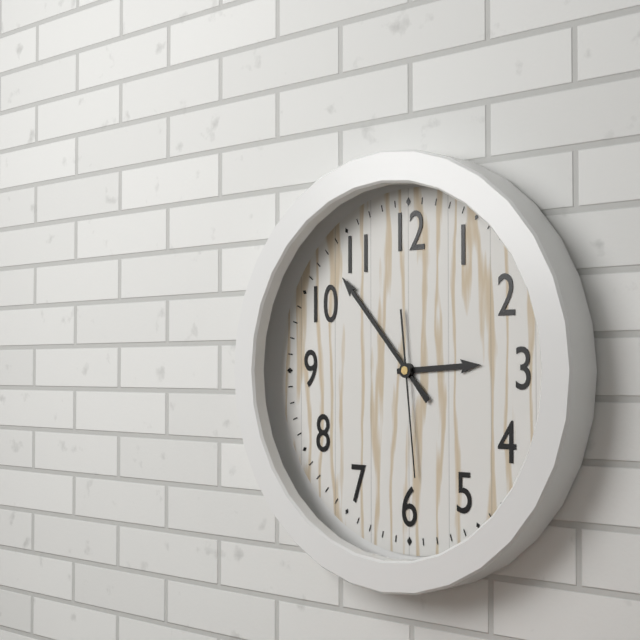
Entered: 2h53m29s
